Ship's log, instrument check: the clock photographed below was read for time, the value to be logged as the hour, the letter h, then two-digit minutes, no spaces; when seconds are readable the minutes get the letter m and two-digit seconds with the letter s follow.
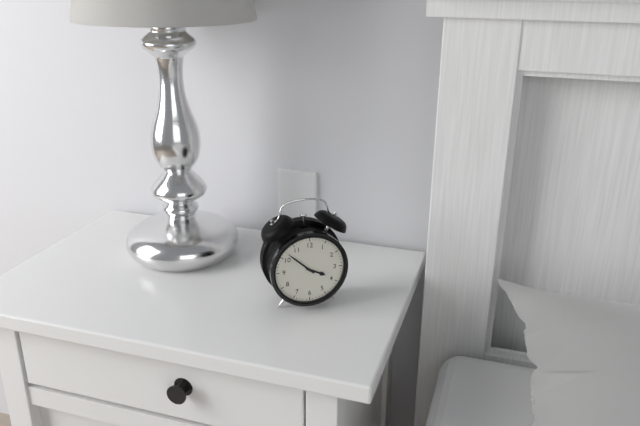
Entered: 3h52
